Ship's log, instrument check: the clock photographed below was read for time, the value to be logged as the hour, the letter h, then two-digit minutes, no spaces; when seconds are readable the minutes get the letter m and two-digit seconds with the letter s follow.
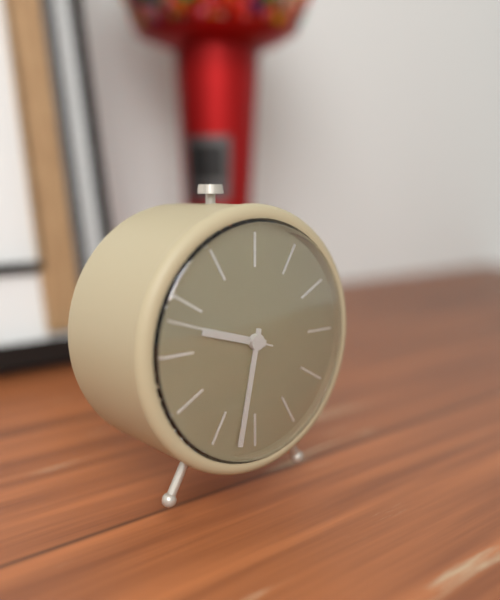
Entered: 9h32m48s
